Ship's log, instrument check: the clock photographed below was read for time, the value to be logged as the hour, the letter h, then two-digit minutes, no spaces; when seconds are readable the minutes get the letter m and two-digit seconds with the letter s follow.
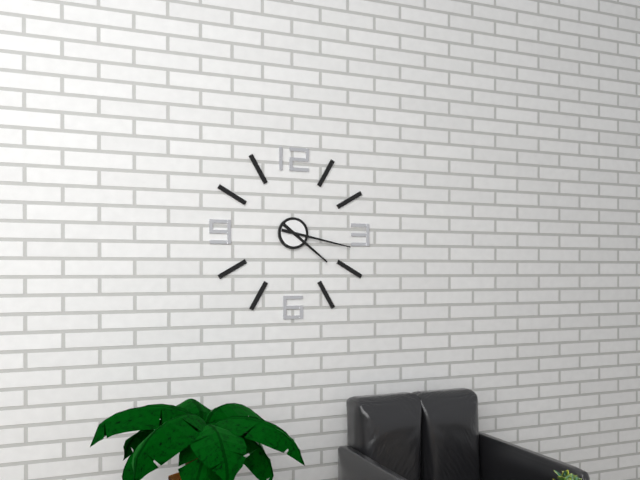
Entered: 4h17
